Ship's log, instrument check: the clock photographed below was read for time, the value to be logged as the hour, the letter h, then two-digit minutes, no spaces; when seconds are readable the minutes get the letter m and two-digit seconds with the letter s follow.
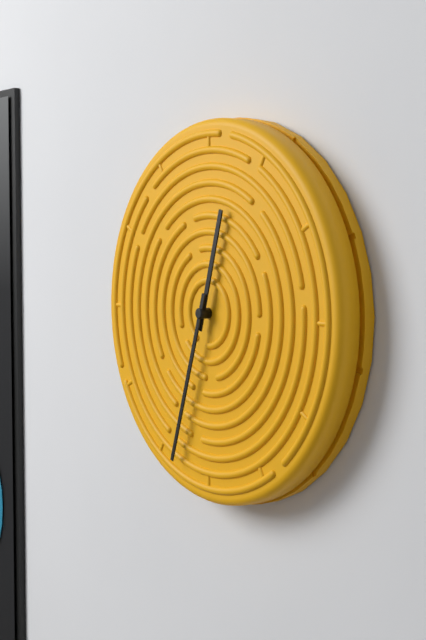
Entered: 12h33
